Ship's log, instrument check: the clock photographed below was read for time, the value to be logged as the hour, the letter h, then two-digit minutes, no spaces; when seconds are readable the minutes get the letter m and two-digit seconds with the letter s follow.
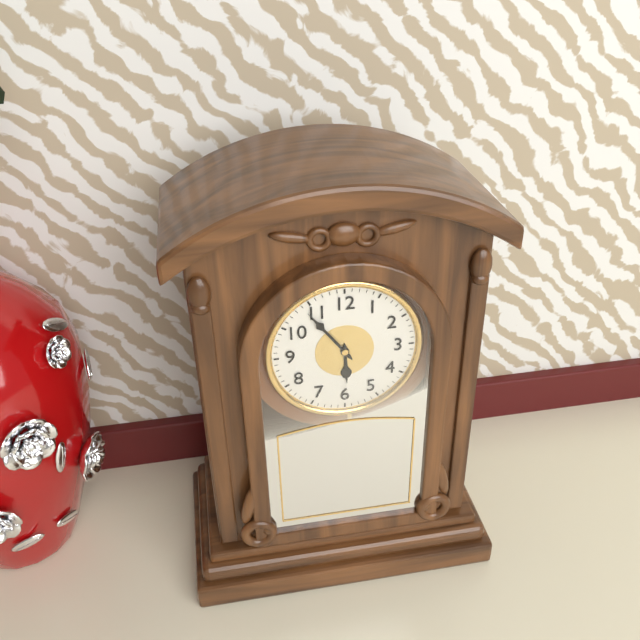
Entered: 5h54
